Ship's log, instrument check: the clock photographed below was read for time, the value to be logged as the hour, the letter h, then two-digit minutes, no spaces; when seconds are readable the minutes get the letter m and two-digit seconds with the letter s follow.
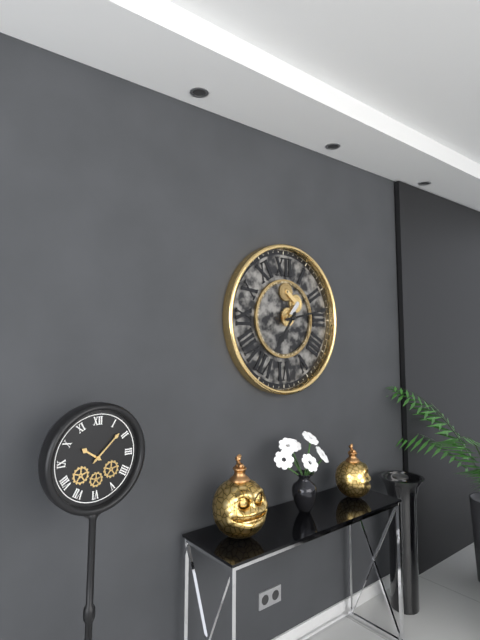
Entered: 7h13
